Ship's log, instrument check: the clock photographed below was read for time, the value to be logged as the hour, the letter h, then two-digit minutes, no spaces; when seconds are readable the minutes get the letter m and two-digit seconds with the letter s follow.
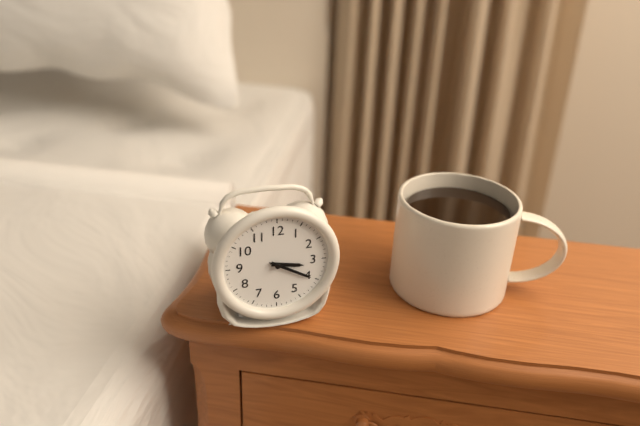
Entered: 3h20
